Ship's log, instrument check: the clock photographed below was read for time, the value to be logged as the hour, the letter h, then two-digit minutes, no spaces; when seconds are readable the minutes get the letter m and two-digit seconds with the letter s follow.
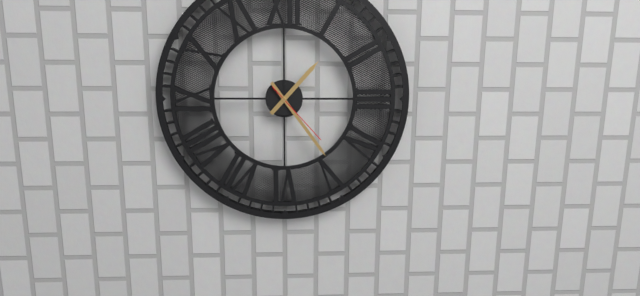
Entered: 1h24m23s
